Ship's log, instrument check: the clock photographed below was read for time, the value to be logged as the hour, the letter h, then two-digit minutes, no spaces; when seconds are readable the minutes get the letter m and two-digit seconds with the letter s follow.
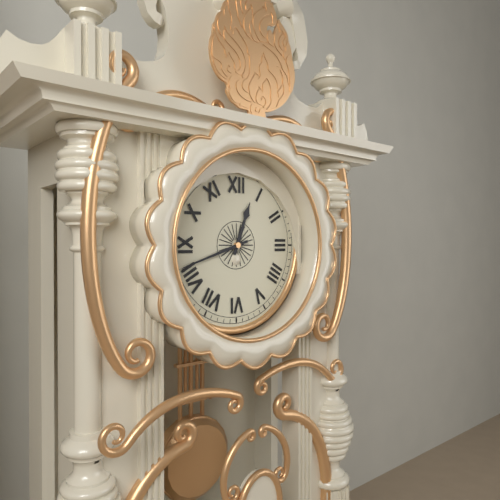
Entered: 12h42
